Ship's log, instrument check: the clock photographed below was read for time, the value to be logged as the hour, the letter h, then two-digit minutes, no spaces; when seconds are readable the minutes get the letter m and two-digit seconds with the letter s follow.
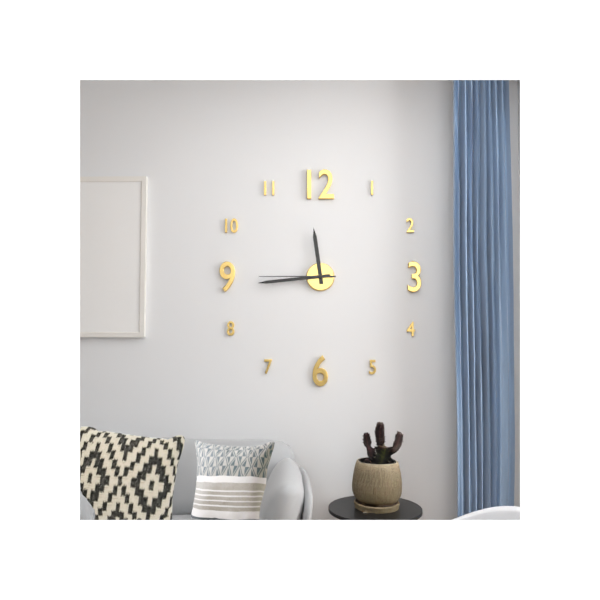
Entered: 11h44m45s
